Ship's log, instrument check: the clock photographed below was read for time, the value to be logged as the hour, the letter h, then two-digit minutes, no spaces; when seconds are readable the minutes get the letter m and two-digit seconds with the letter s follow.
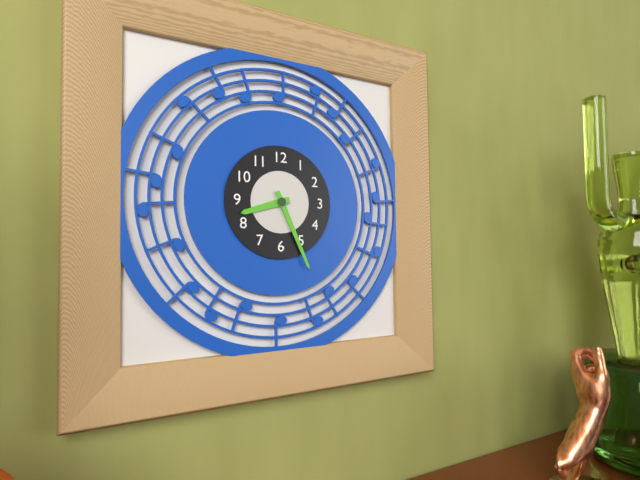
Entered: 8h26
